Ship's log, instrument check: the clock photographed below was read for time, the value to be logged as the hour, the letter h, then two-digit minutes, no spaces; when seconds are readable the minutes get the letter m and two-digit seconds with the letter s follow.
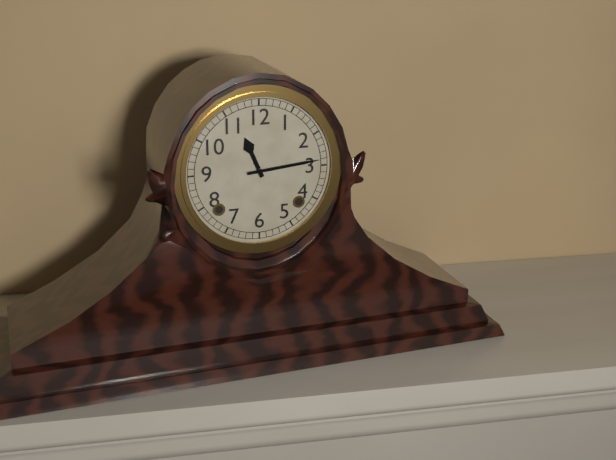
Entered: 11h14
